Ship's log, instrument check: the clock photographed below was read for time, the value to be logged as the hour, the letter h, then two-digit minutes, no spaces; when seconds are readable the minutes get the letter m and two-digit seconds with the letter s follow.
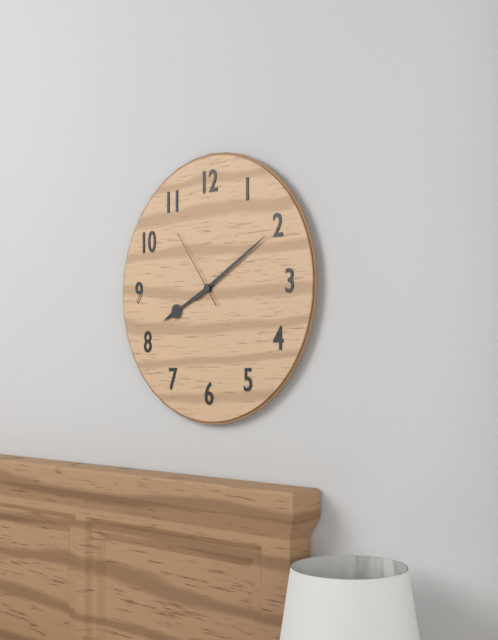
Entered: 8h10m54s
